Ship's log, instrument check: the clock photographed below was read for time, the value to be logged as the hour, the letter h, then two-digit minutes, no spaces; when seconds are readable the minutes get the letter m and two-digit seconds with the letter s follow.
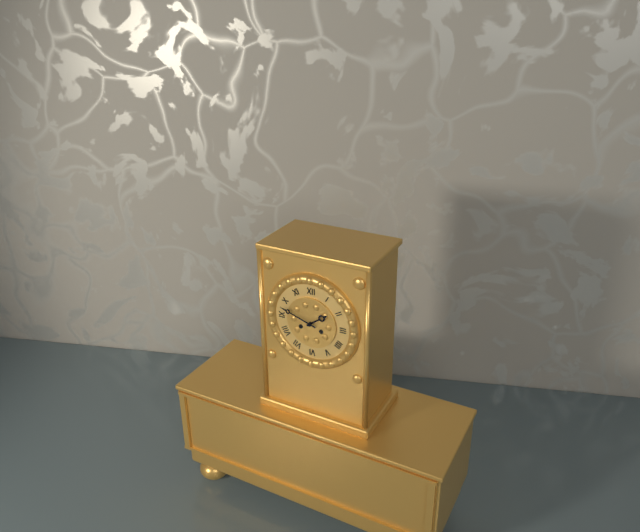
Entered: 1h48
